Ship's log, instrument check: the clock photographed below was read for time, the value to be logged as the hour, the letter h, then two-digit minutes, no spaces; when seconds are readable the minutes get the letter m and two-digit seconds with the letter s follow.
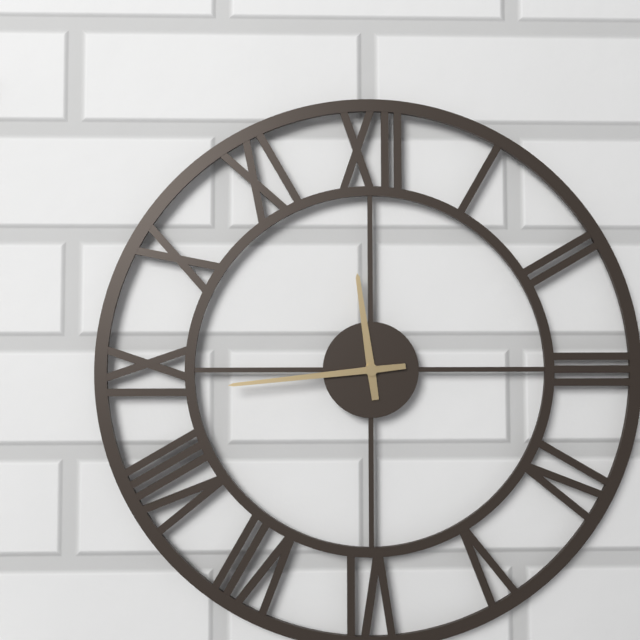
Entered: 11h44
